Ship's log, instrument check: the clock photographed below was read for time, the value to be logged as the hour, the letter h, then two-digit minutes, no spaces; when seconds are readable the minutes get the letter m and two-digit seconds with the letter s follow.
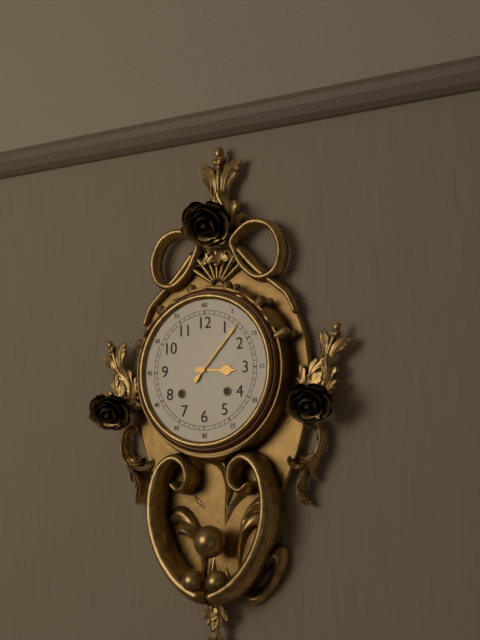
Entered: 3h07
